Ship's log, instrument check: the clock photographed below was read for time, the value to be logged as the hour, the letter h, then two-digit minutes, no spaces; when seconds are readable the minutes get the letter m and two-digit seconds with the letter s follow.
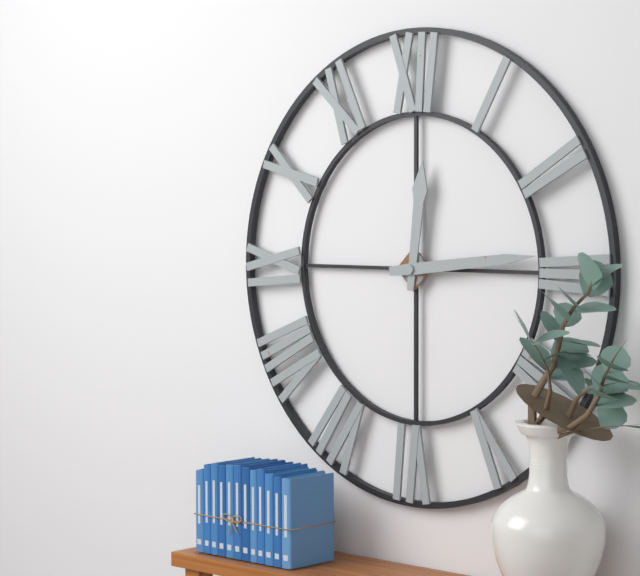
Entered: 12h14
